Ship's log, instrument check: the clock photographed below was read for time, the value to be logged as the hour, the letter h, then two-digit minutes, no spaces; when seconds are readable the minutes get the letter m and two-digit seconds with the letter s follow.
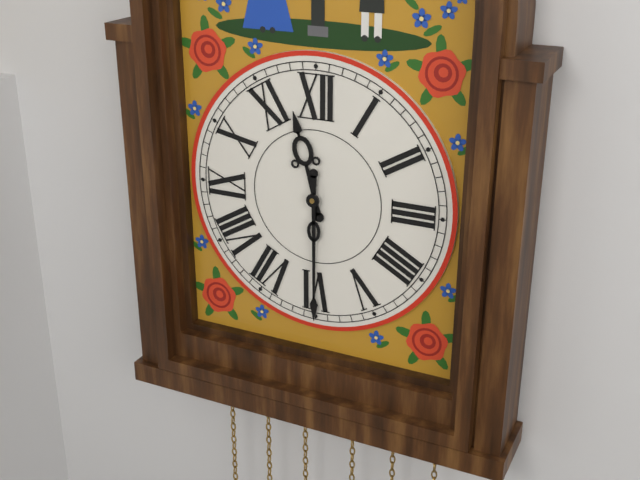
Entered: 11h30
